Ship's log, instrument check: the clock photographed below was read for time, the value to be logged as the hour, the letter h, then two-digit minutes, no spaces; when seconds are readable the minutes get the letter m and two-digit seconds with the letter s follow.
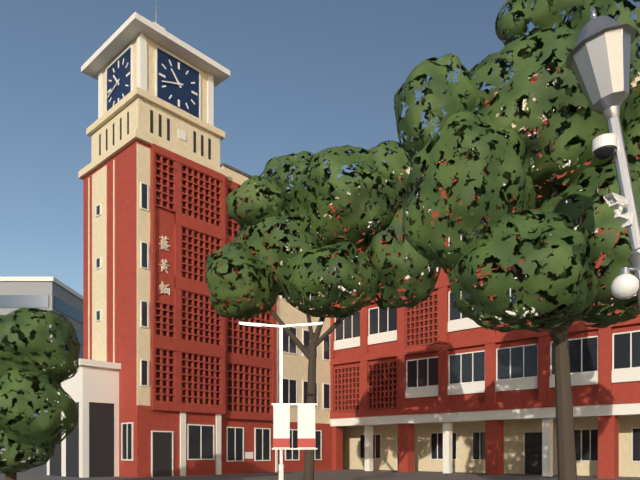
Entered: 10h42
